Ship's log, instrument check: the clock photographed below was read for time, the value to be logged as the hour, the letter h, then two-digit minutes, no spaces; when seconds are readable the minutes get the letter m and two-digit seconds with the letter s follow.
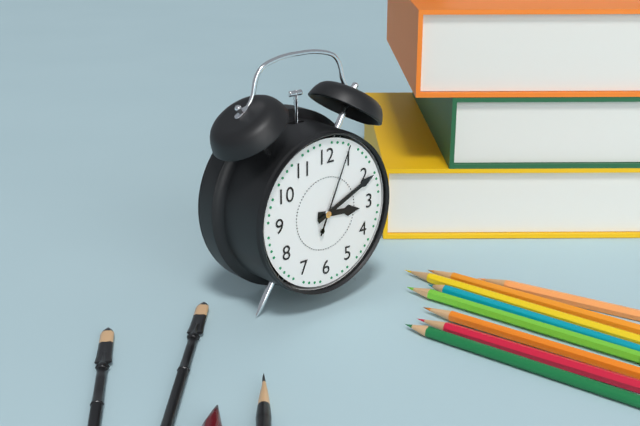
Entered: 3h11m04s
